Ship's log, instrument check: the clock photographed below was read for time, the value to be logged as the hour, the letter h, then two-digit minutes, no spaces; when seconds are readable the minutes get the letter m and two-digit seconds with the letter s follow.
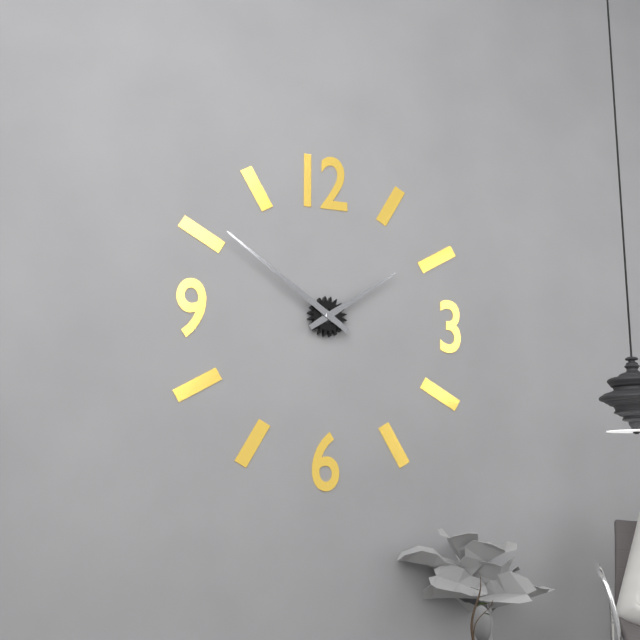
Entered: 1h51
